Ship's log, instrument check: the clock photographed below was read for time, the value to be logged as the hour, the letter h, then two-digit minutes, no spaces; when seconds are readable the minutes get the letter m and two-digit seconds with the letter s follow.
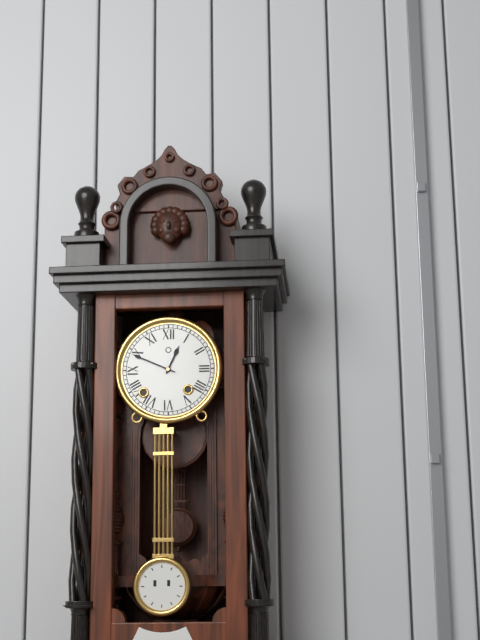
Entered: 12h49
